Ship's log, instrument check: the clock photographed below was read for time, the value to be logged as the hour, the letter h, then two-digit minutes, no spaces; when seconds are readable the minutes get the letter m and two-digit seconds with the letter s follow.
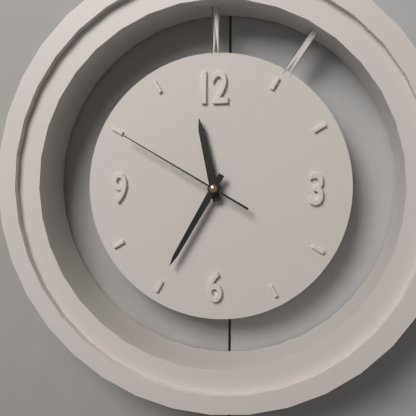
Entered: 11h35m50s
